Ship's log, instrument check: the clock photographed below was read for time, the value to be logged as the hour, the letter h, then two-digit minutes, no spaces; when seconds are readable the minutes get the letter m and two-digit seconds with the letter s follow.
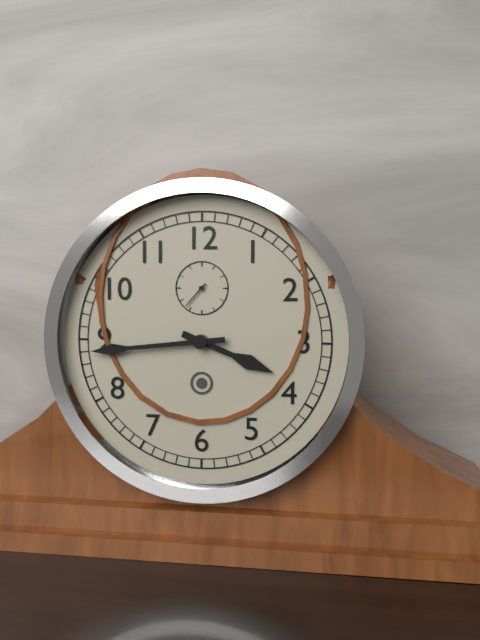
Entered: 3h44
